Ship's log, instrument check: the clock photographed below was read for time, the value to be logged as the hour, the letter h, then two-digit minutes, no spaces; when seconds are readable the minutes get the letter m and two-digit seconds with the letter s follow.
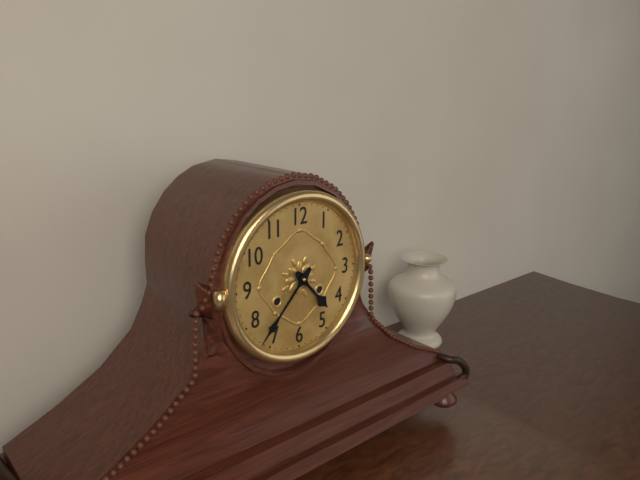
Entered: 4h37
